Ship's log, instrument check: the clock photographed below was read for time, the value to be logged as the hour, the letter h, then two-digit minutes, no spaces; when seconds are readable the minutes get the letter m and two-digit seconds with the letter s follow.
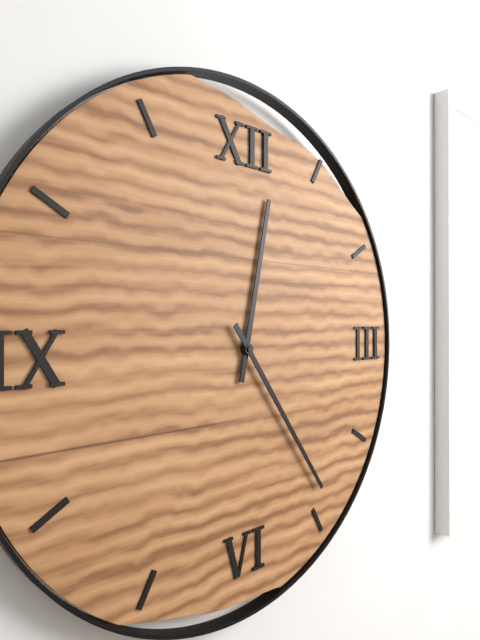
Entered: 12h24
